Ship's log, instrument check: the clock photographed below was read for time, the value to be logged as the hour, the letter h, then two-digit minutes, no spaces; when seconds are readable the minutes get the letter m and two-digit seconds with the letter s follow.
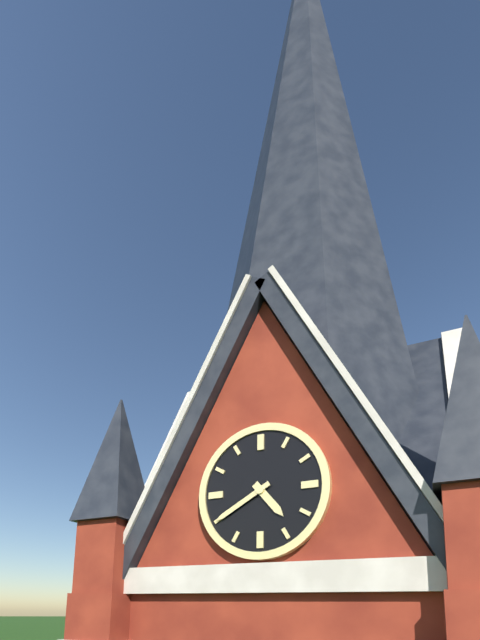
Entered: 4h40
